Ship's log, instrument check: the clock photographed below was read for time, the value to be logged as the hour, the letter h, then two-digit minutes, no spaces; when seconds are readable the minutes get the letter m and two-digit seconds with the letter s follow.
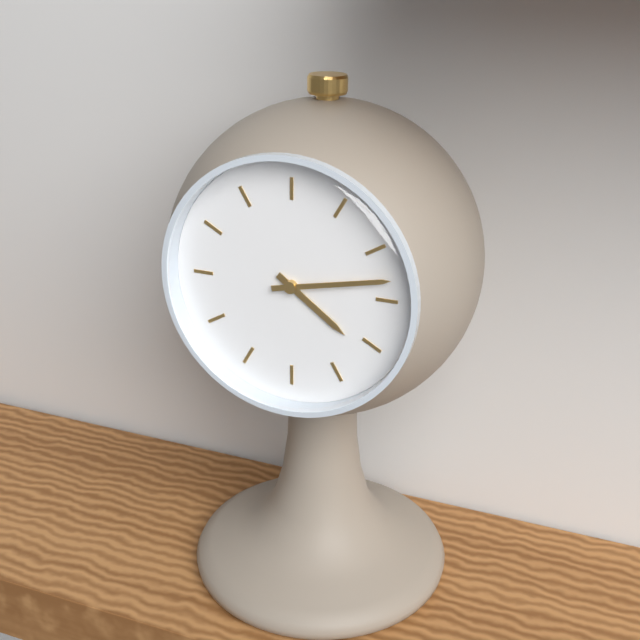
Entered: 4h13
